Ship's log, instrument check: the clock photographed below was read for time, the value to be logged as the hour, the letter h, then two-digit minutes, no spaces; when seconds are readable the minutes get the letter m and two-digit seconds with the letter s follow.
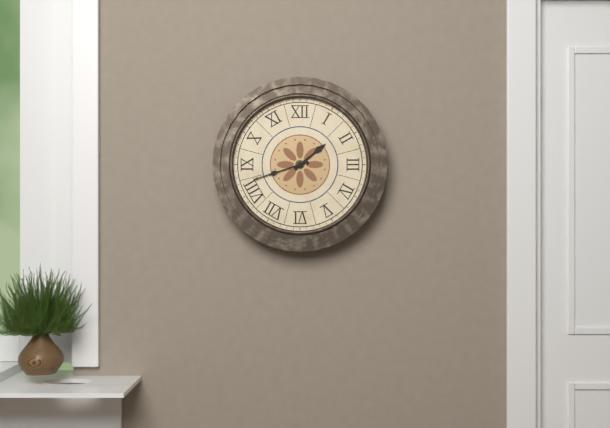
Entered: 1h42
